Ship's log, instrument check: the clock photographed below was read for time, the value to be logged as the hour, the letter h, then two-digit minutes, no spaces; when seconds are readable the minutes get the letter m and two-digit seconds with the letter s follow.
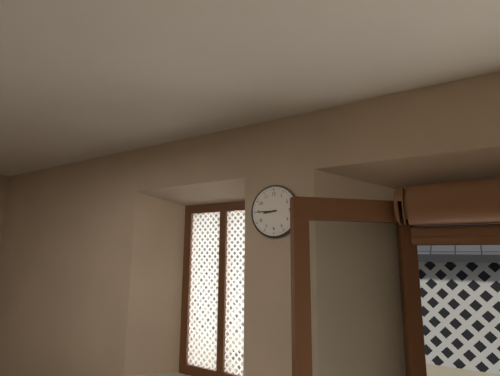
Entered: 8h45
